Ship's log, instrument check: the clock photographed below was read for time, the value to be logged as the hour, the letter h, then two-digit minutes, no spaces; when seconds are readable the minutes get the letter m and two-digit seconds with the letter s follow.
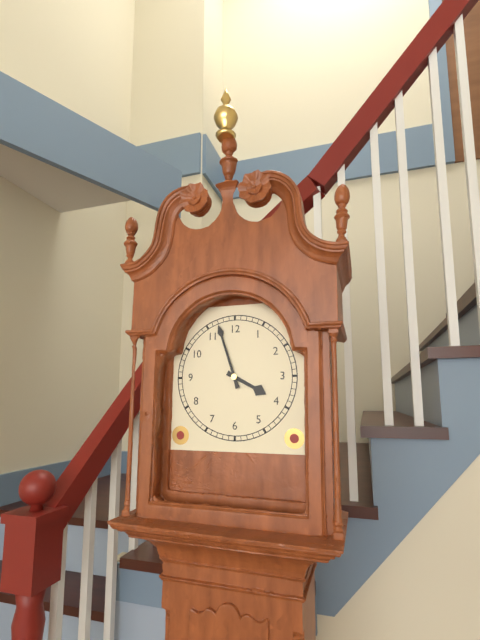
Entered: 3h57
